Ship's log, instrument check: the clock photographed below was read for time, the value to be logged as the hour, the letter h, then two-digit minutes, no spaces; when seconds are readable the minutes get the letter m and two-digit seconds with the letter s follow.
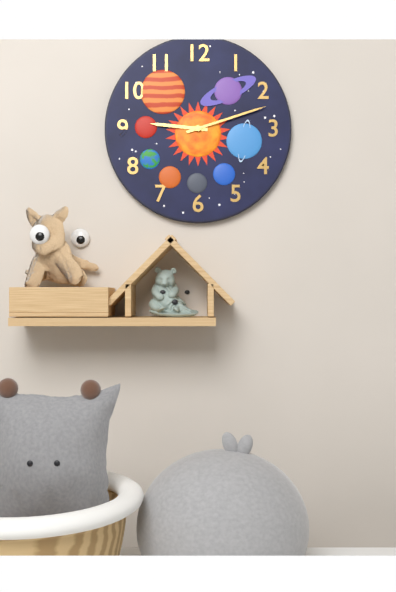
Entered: 9h12
